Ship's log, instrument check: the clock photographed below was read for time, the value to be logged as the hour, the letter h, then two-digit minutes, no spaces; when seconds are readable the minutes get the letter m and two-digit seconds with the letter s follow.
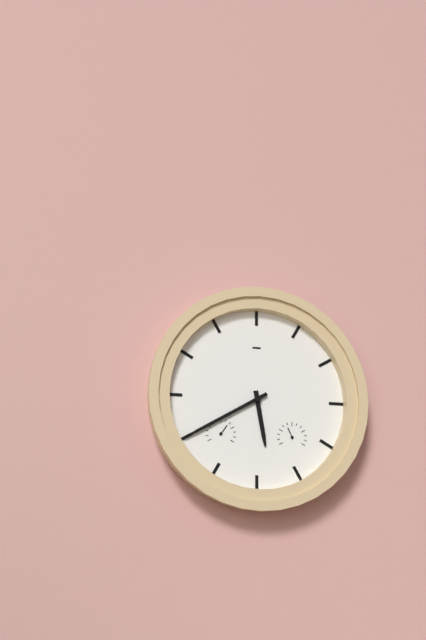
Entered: 5h40
